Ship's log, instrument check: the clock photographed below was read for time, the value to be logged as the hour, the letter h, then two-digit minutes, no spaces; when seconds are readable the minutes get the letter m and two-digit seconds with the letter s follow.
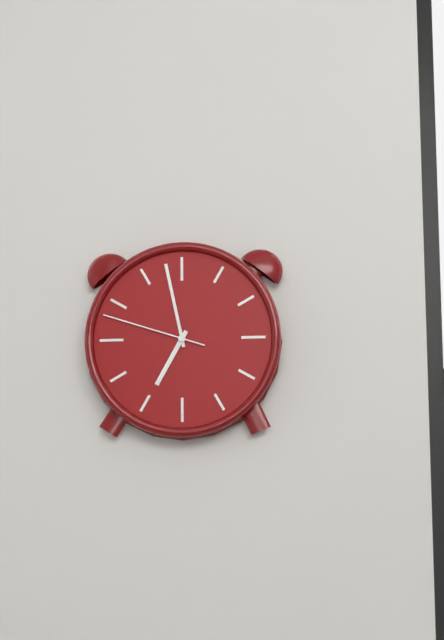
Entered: 6h58m48s
